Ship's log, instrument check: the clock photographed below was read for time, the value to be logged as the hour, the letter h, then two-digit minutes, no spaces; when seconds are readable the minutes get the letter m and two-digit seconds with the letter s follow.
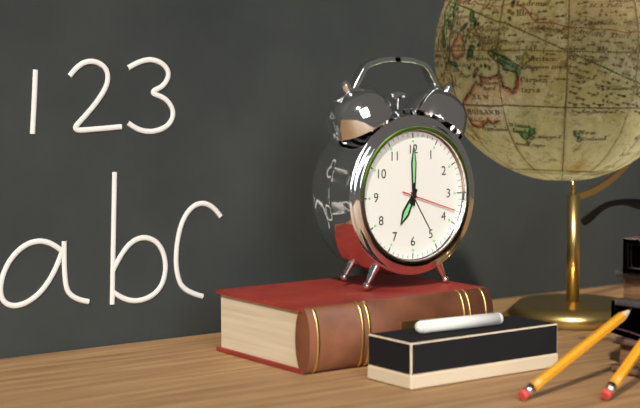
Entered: 7h00m18s
